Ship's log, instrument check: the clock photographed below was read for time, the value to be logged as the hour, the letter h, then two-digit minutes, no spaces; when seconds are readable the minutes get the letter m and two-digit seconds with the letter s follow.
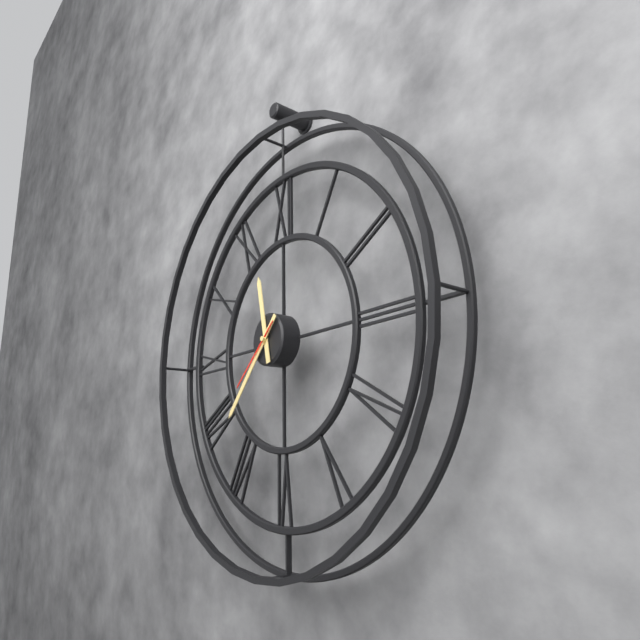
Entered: 11h37m38s
